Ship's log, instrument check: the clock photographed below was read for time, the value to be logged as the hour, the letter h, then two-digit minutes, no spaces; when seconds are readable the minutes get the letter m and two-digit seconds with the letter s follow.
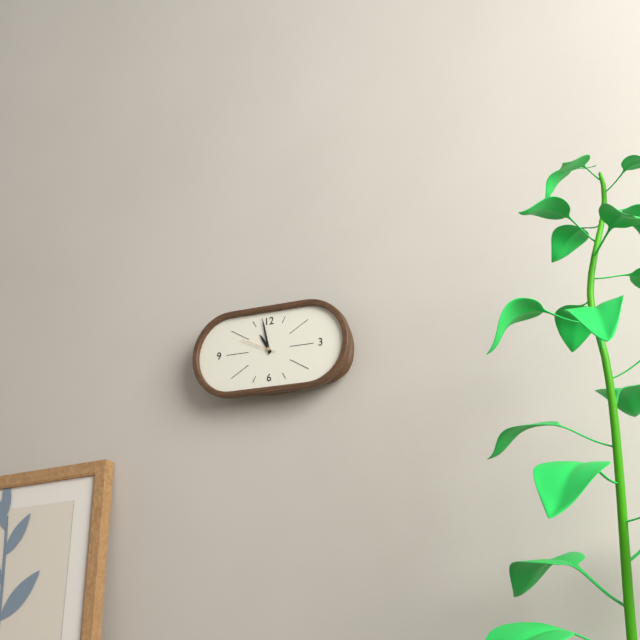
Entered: 10h58
